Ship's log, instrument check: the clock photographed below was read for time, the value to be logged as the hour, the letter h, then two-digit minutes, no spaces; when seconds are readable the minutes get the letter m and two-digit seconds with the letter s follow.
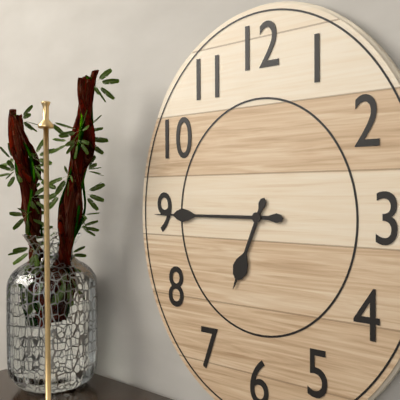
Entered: 6h45
